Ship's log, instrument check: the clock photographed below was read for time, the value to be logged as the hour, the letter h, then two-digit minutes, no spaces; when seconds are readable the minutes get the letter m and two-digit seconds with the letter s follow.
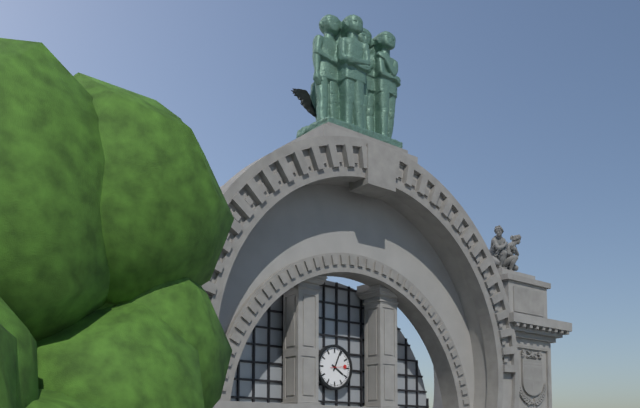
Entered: 4h04
